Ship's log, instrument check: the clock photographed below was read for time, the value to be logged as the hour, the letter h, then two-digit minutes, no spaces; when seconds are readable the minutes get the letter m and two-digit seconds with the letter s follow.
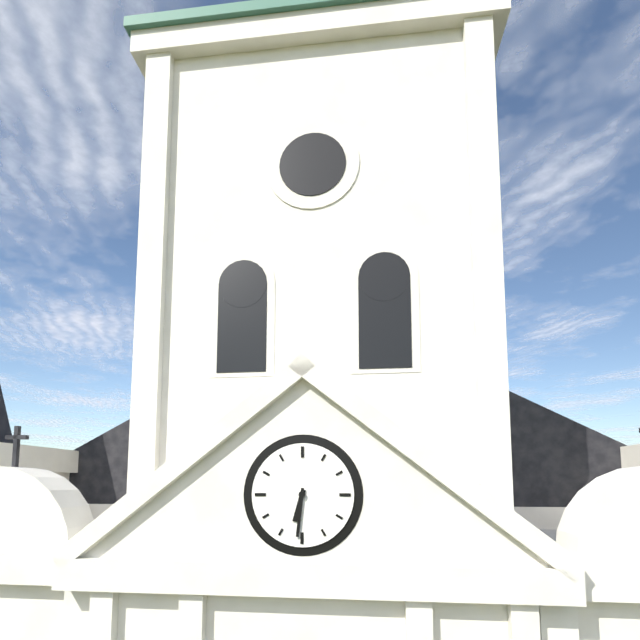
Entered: 6h31
